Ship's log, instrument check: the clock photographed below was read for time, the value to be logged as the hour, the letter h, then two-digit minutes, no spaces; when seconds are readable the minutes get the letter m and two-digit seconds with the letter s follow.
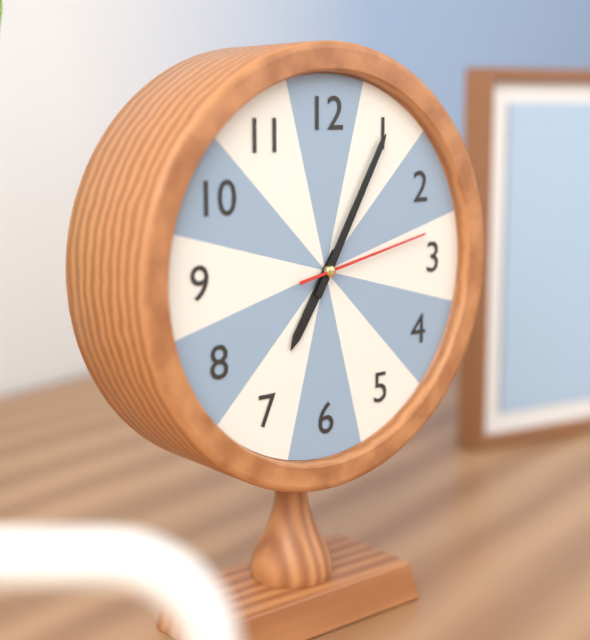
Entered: 7h05m13s
